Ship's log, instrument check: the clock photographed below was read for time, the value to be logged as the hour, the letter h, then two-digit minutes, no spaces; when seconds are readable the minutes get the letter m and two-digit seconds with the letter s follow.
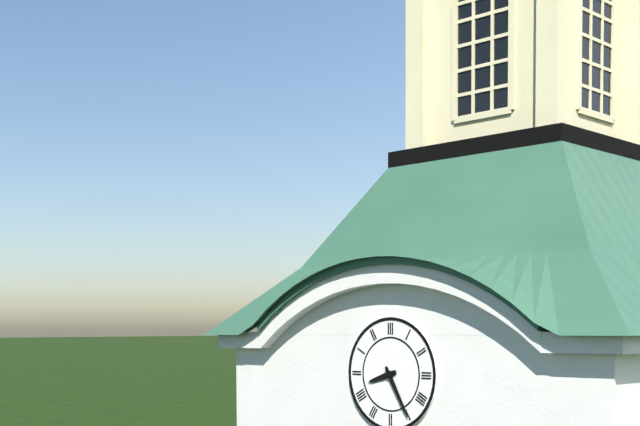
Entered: 8h25
